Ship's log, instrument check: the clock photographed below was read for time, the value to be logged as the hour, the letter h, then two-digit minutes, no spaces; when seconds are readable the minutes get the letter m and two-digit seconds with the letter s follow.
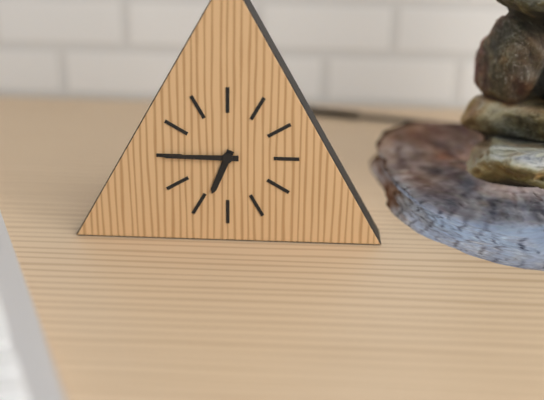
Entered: 6h45
